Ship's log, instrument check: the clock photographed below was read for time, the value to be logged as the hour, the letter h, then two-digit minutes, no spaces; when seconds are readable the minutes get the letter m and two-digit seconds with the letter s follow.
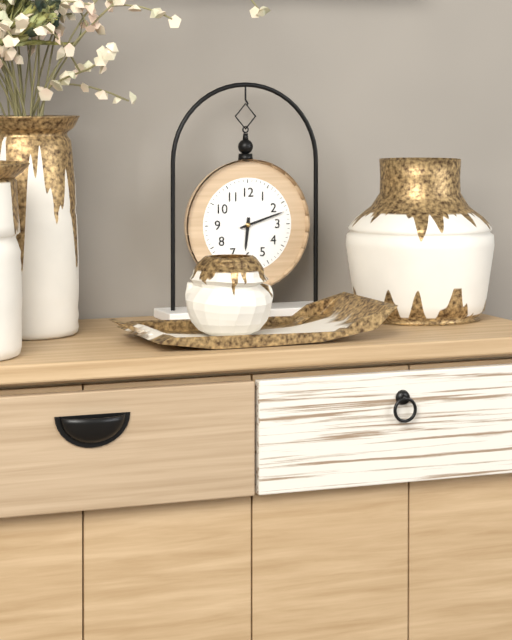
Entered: 6h12
